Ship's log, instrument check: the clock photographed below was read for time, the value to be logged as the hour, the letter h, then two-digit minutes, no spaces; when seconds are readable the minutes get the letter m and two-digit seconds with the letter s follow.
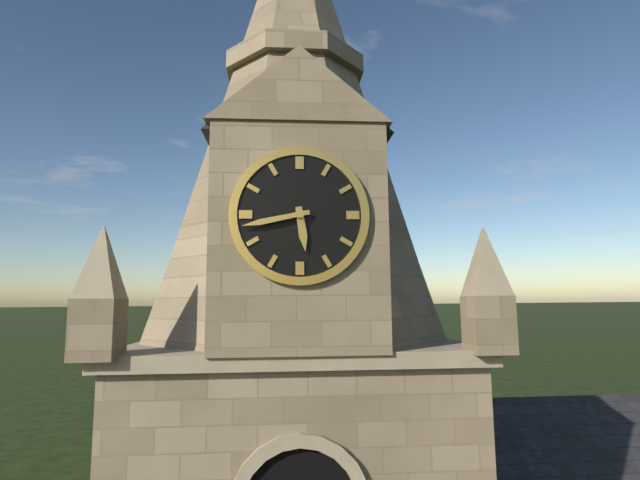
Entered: 5h43
